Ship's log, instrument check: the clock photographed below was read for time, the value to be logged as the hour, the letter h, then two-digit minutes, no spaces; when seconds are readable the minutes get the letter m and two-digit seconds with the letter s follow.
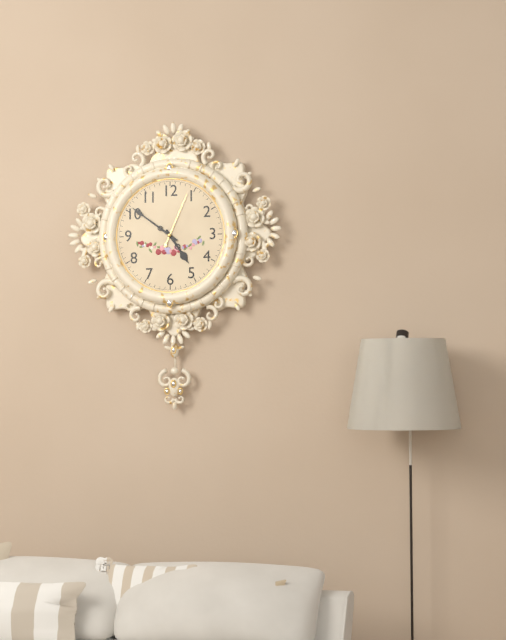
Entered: 4h51m04s
